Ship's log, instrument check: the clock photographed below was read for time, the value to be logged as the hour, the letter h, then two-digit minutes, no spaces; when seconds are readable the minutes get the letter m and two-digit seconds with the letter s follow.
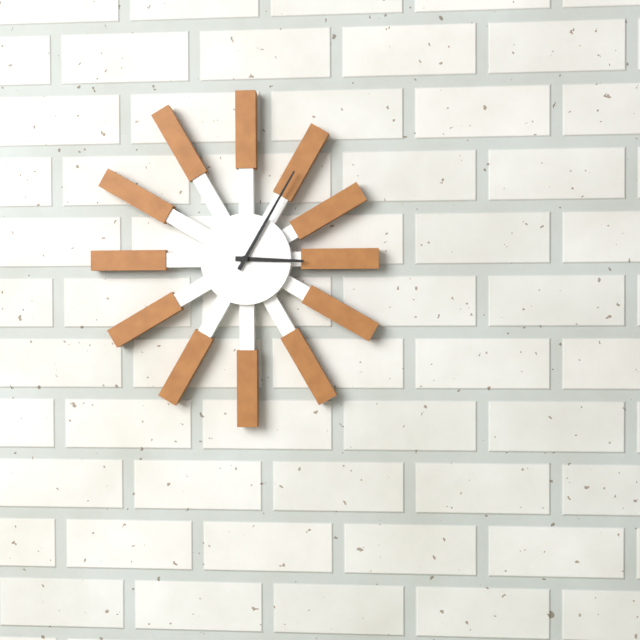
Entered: 3h05
